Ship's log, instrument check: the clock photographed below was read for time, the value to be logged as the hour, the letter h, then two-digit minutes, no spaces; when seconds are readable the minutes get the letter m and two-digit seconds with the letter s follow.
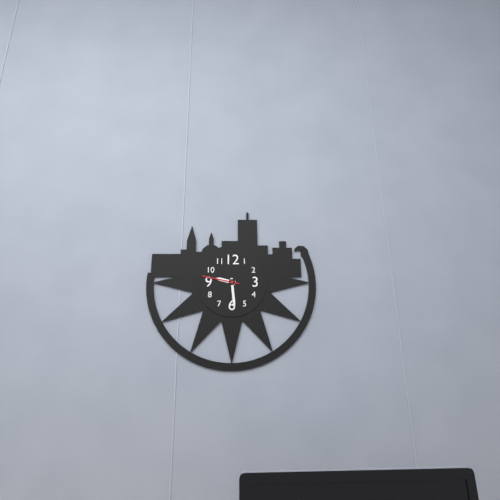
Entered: 9h29
